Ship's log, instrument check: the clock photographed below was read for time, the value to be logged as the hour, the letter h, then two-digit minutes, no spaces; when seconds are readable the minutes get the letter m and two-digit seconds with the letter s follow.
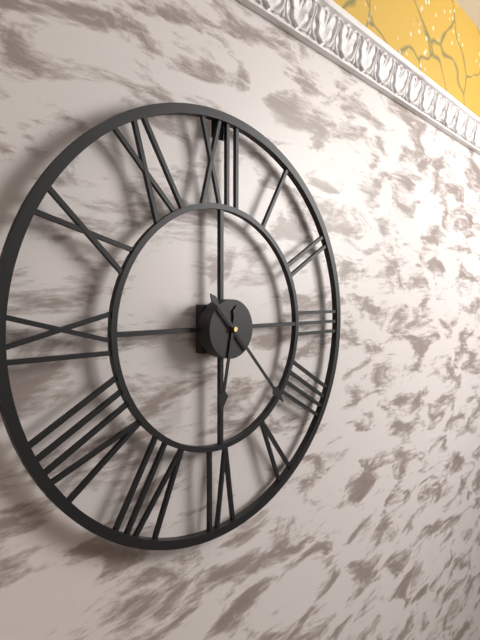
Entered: 6h23
